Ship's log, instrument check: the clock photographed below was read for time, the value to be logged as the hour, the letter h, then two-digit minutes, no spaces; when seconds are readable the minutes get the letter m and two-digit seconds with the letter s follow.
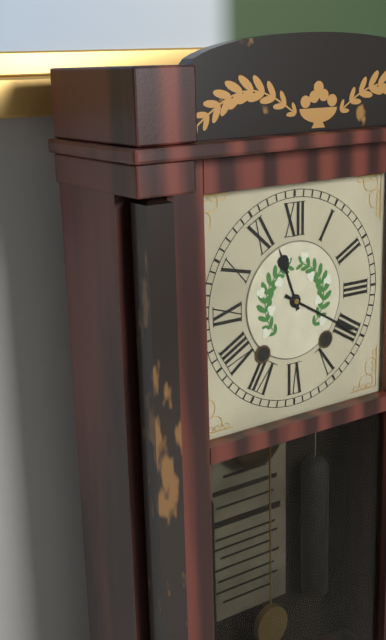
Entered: 11h20
